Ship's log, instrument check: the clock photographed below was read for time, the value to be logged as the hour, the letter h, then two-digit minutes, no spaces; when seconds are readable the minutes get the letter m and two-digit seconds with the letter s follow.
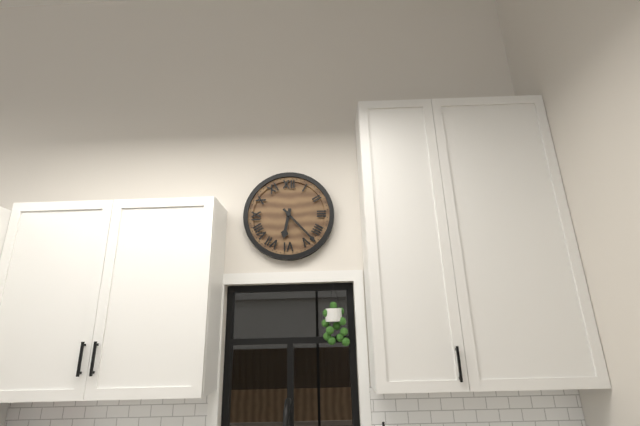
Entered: 6h23
